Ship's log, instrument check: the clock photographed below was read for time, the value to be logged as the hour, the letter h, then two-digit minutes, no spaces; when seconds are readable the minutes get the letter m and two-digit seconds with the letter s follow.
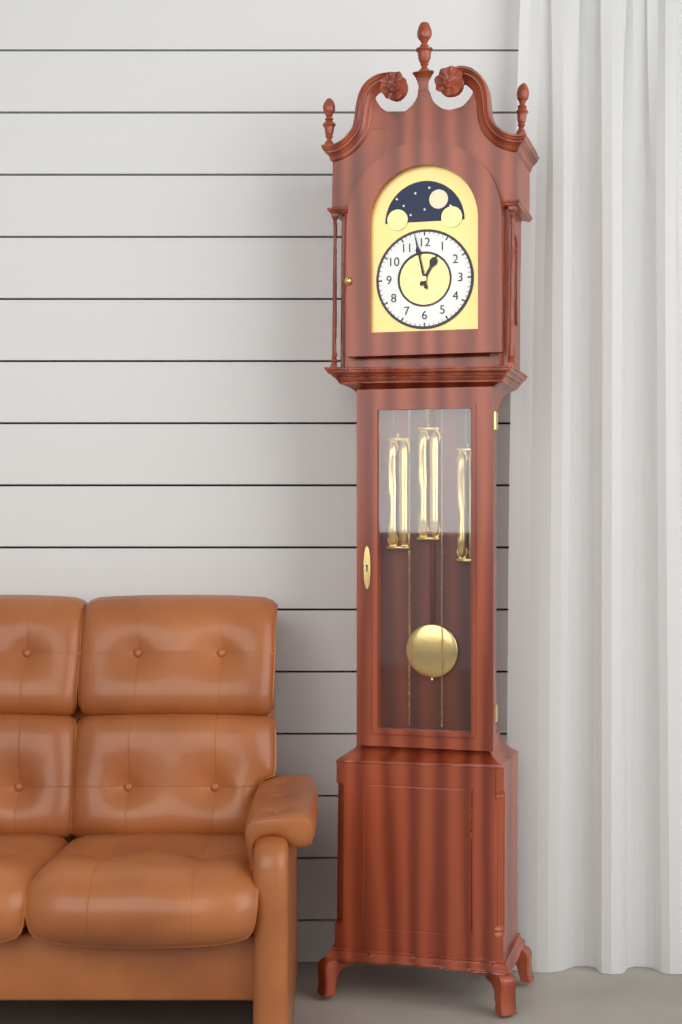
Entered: 12h58
